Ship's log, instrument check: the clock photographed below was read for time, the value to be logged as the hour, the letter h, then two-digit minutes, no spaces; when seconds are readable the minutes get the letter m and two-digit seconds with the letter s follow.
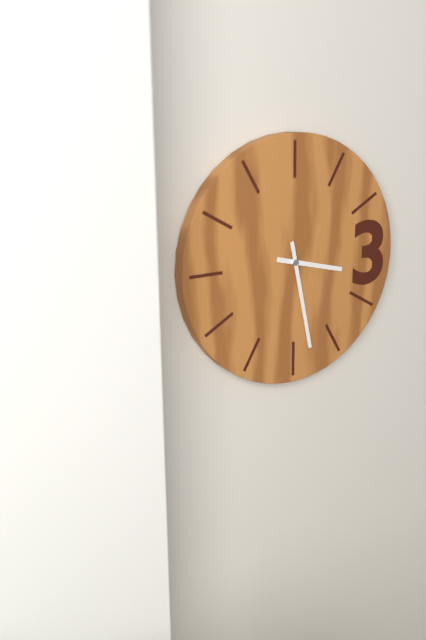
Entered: 3h28
